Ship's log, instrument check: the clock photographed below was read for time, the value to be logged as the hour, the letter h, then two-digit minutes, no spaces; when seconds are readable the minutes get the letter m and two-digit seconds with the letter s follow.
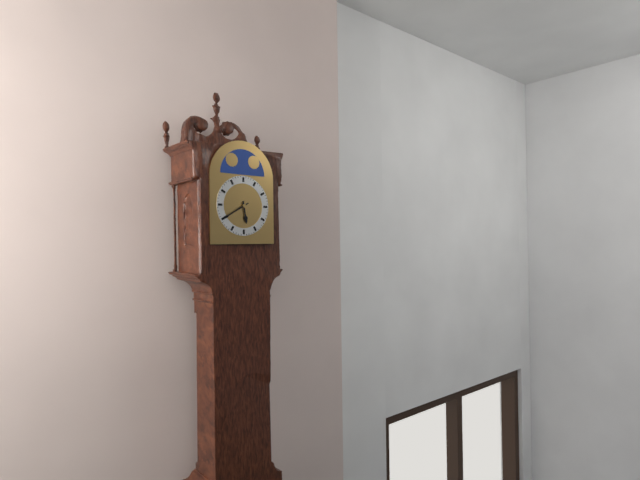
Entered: 5h40
